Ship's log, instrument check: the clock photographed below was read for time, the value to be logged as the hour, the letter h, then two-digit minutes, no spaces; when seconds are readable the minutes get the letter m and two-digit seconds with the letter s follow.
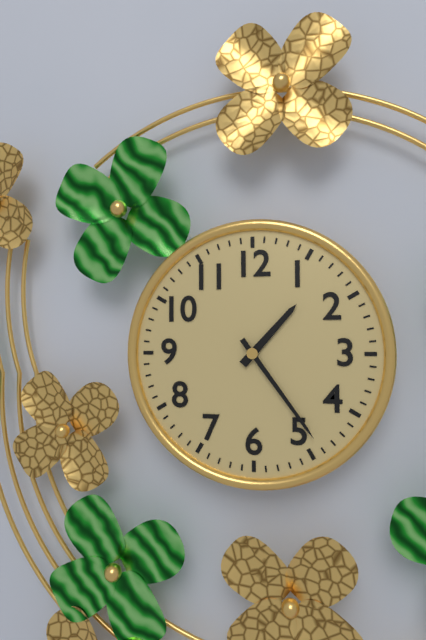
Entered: 1h24
